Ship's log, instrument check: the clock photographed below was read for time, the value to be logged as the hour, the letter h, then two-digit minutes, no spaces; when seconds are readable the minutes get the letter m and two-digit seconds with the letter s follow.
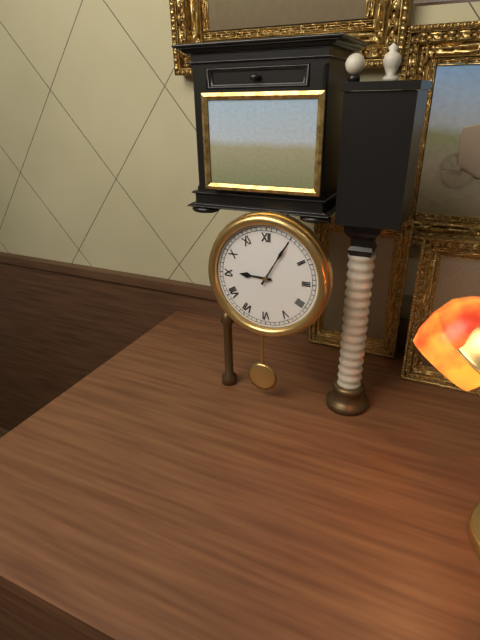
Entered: 9h05
